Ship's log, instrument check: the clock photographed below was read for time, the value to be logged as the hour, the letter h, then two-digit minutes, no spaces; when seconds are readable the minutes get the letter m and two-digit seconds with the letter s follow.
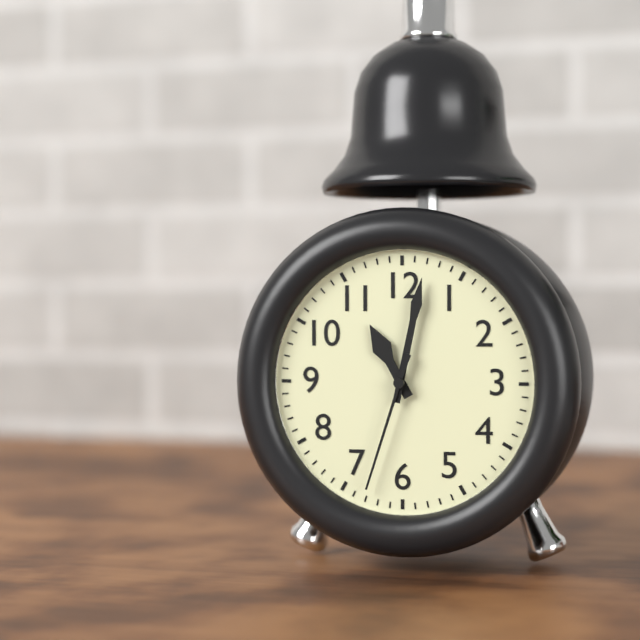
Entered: 11h02m33s
